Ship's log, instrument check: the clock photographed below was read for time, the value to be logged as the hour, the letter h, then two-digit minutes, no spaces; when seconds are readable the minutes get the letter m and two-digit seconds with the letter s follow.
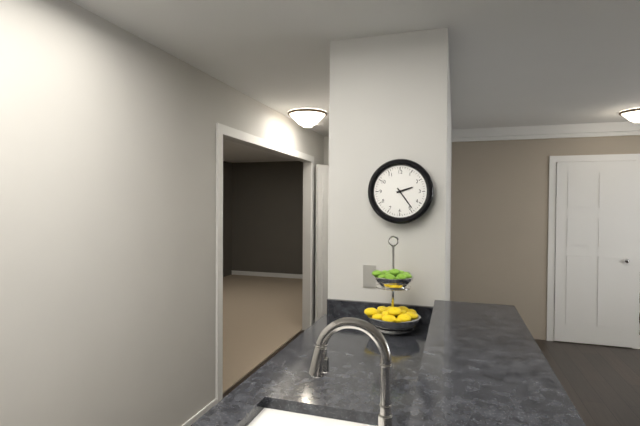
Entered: 2h24
